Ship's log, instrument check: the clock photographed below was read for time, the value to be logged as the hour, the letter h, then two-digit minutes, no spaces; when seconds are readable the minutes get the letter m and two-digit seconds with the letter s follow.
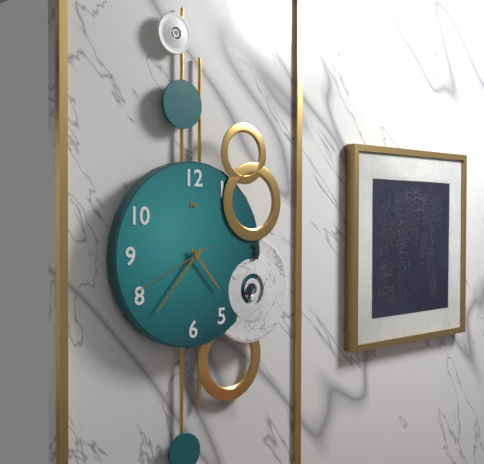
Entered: 4h37m41s
